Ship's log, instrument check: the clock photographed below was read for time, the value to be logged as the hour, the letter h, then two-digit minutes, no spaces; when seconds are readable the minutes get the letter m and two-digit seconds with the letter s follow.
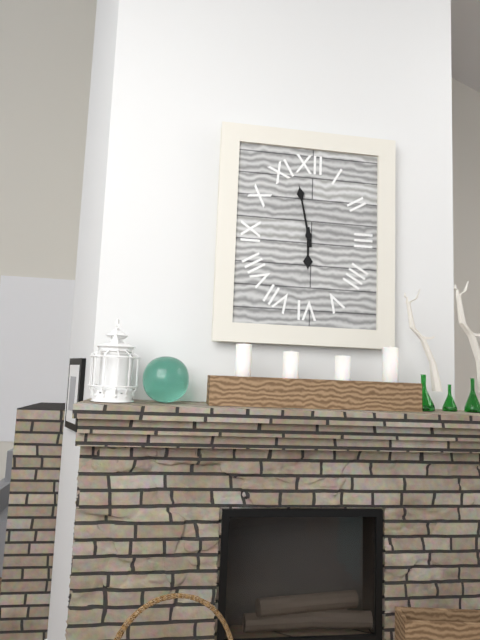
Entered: 5h58
